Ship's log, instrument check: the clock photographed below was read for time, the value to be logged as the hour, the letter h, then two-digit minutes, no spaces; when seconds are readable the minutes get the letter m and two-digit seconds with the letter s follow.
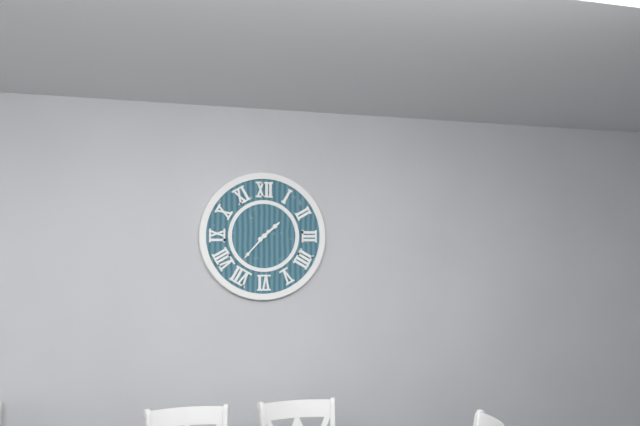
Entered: 1h37
